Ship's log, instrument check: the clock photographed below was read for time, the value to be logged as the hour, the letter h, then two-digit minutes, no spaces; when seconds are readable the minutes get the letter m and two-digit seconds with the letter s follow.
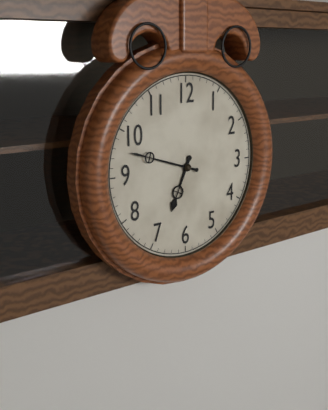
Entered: 6h48
